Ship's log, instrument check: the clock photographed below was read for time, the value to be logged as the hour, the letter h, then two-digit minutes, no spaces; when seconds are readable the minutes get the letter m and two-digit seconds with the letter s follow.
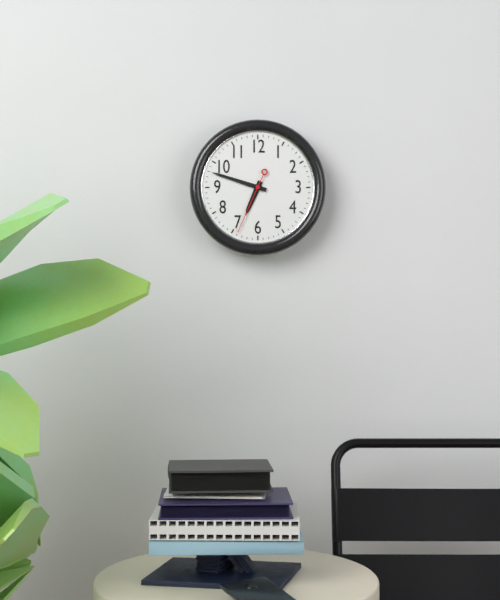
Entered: 6h48m34s
